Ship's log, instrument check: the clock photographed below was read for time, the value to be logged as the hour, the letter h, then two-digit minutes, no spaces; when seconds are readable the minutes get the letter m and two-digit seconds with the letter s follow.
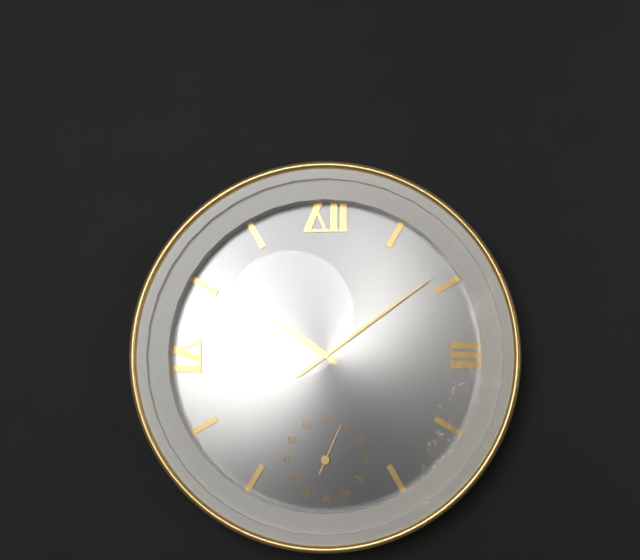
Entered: 10h09
